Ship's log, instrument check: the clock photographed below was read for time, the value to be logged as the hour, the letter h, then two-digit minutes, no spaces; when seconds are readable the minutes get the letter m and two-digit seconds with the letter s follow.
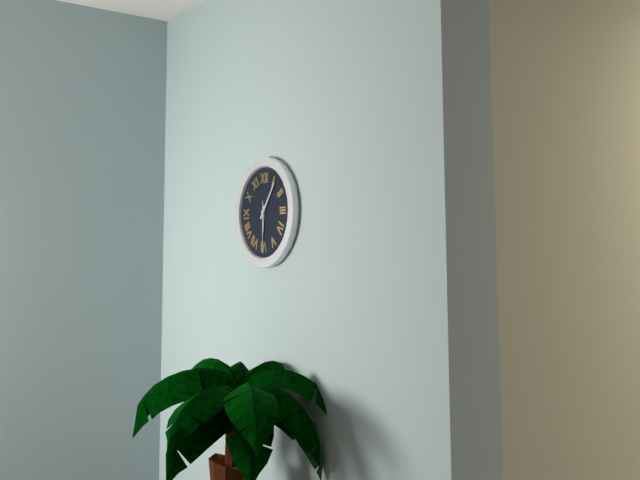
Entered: 6h06m30s
